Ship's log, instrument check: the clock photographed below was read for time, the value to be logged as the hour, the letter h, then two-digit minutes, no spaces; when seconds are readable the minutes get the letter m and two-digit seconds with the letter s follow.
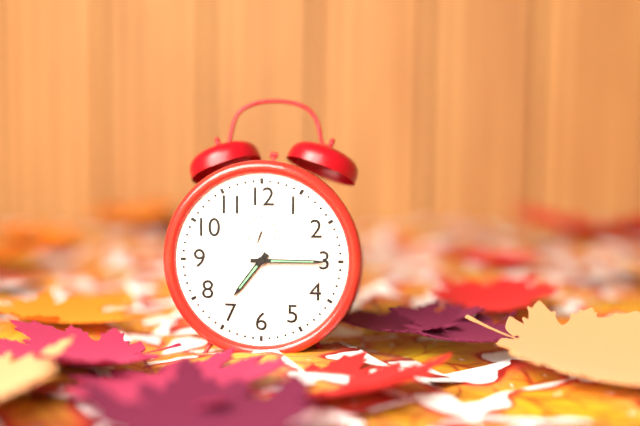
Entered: 7h15
